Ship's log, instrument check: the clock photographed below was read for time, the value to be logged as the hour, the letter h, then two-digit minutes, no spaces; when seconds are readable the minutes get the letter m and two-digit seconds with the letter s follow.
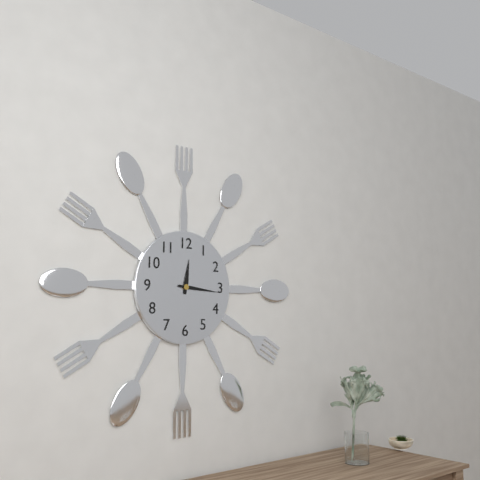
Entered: 12h16
